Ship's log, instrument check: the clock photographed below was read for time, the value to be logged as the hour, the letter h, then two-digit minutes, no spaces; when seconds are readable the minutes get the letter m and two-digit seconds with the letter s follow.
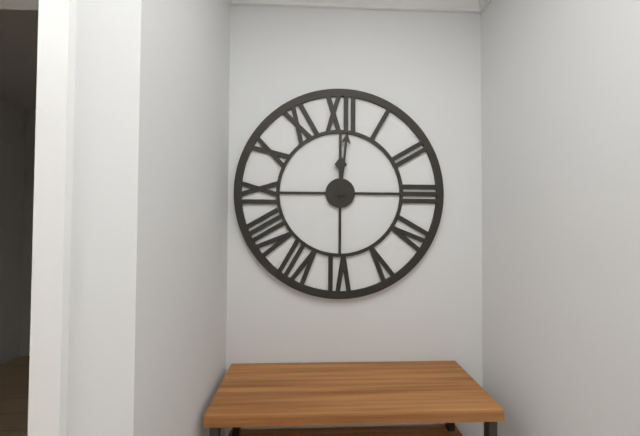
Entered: 12h01
